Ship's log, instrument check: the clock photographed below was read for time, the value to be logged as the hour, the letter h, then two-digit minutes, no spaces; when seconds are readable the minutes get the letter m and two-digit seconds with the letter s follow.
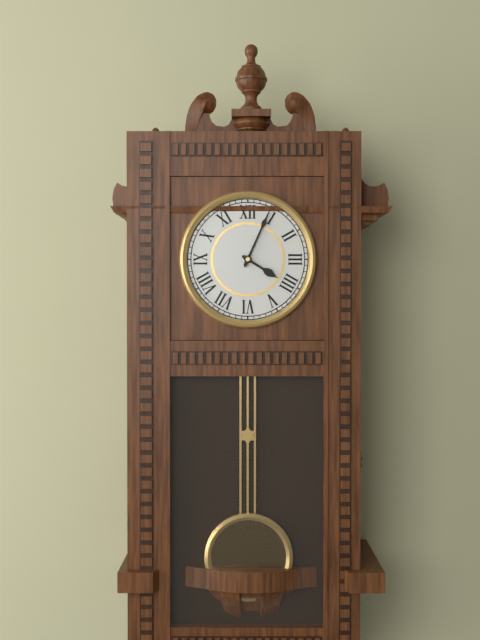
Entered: 4h04
